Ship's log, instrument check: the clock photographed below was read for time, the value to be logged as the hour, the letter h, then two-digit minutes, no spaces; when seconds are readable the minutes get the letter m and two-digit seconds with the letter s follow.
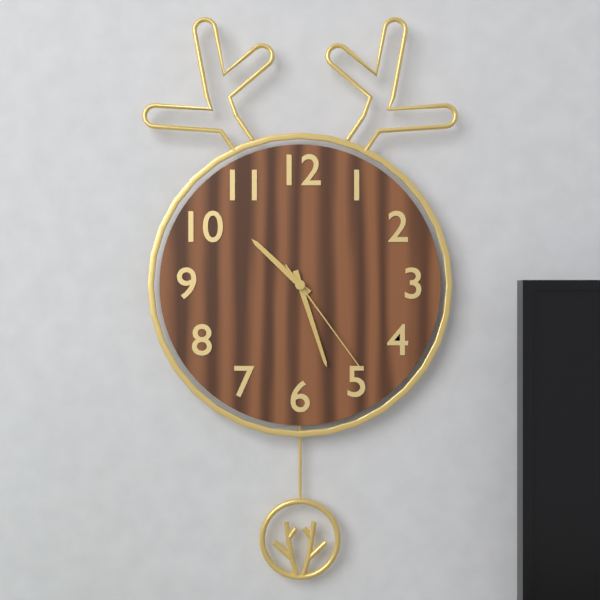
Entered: 10h27m24s
